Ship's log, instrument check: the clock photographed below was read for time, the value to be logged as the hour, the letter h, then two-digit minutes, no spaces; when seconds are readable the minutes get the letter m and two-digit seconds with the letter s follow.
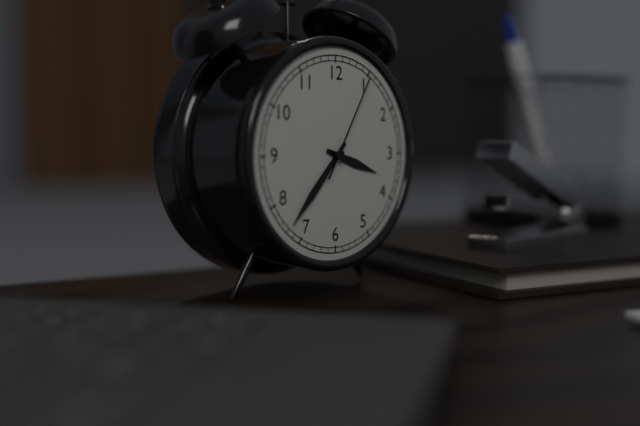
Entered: 3h37m05s
